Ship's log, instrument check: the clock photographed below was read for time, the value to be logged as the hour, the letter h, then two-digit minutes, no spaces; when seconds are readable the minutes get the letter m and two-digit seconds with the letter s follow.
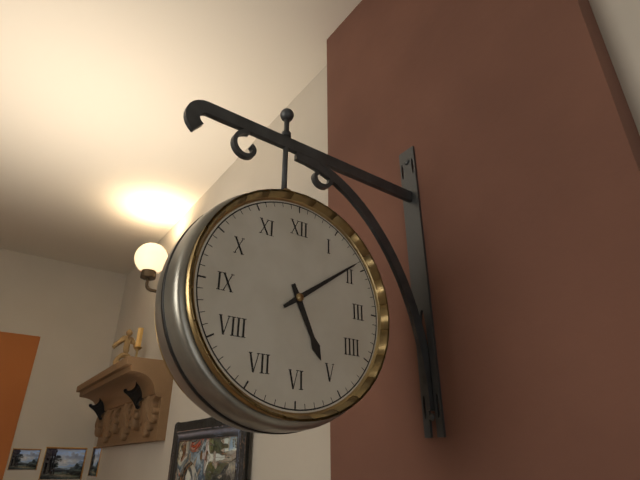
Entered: 5h09
